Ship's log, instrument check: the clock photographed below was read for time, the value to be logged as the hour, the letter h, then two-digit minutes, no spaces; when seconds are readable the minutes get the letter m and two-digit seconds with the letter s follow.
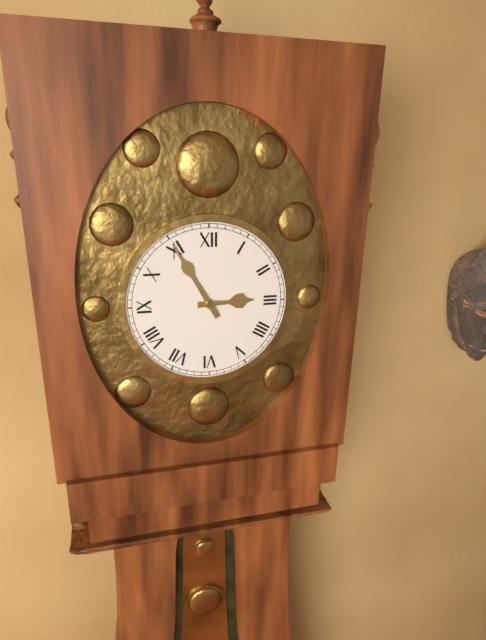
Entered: 2h55
